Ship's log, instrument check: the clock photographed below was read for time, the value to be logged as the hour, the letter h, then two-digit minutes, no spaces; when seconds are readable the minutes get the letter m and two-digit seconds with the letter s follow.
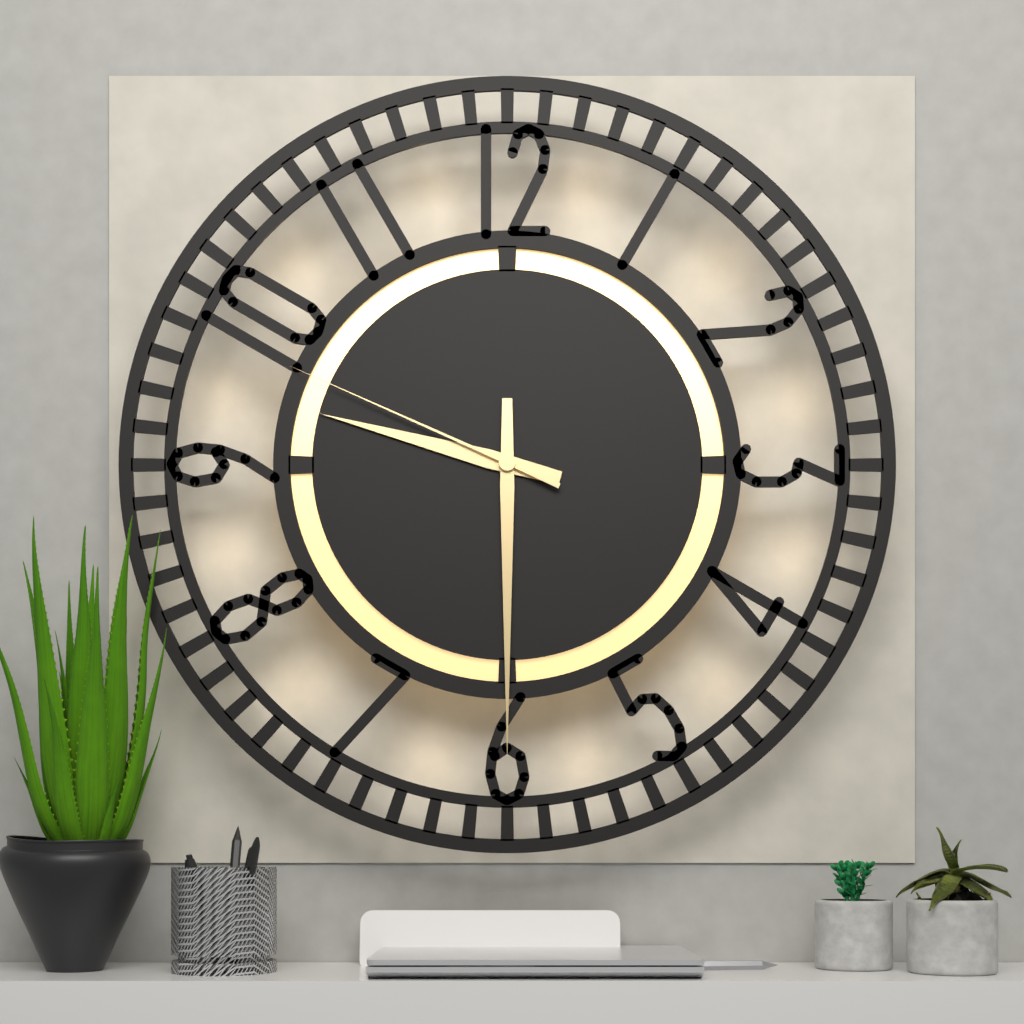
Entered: 9h30m49s
